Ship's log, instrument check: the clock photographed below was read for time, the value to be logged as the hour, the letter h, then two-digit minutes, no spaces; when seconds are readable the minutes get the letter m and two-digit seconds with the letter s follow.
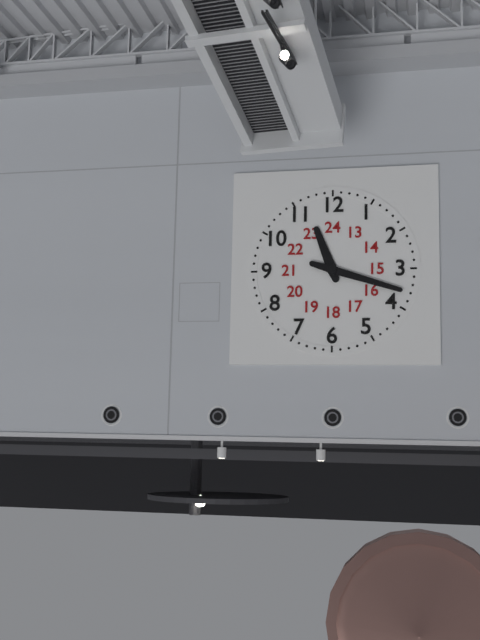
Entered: 11h18
